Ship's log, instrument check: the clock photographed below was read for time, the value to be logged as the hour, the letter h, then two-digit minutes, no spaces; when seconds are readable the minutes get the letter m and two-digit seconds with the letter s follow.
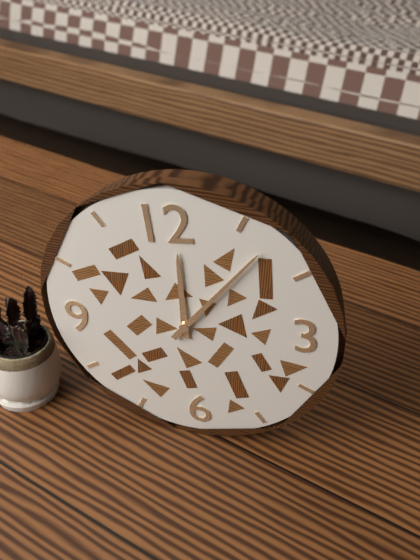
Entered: 12h07
